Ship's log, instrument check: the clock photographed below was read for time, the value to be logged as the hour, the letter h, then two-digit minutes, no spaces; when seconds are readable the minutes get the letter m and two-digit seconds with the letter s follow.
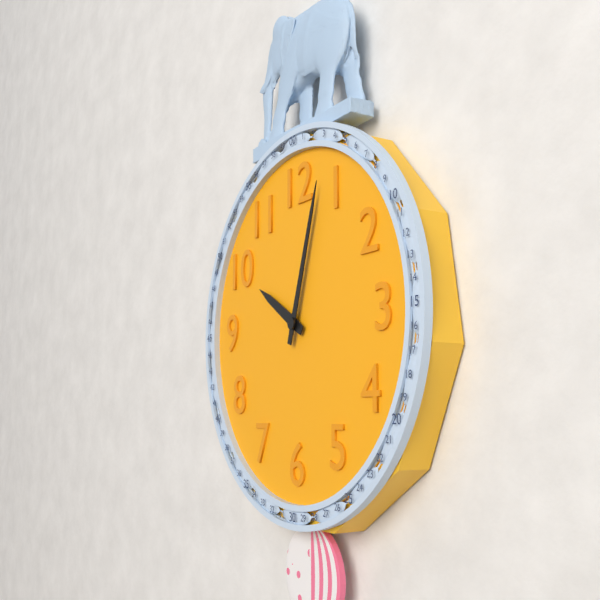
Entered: 10h03
